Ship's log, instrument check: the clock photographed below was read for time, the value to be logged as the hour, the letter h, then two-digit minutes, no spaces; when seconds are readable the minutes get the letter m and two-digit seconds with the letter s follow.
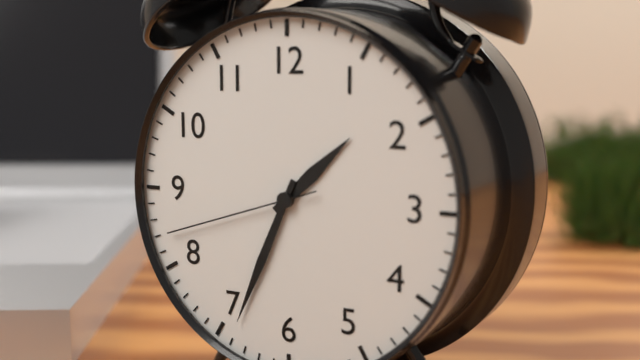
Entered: 1h34m42s
